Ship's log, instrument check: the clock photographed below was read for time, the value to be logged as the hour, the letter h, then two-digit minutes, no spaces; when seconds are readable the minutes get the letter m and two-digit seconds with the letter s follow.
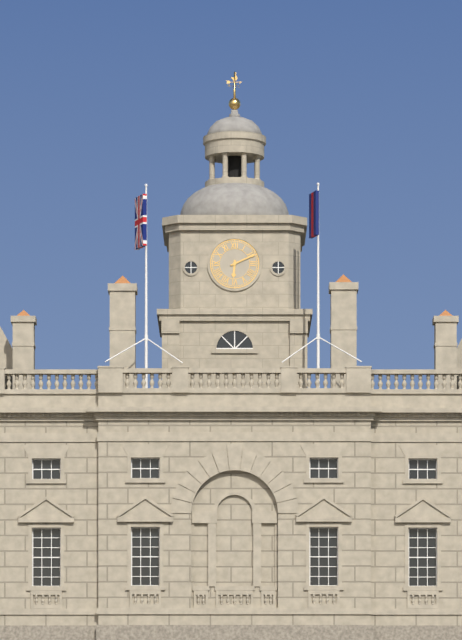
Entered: 6h11
